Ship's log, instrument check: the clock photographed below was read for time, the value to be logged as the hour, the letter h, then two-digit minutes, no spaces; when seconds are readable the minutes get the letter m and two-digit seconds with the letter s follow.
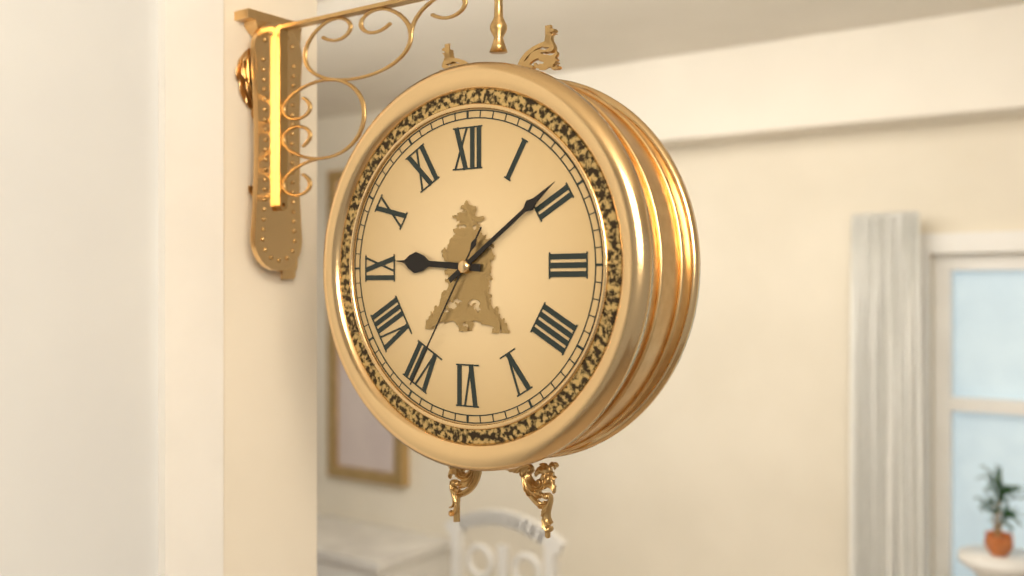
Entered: 9h09m35s
